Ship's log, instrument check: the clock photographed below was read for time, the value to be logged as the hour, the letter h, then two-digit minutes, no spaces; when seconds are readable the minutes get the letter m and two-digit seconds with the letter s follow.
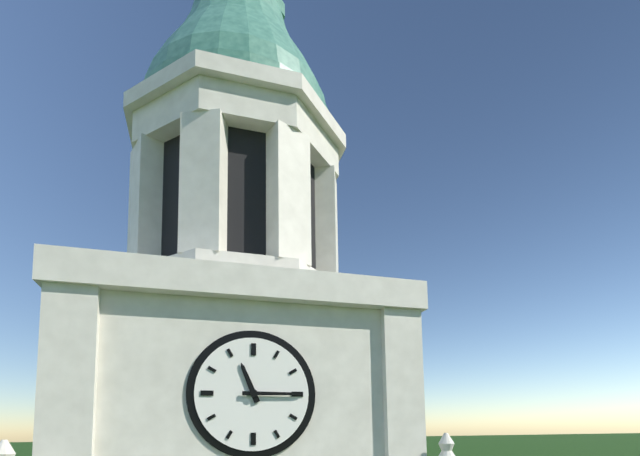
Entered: 11h15
